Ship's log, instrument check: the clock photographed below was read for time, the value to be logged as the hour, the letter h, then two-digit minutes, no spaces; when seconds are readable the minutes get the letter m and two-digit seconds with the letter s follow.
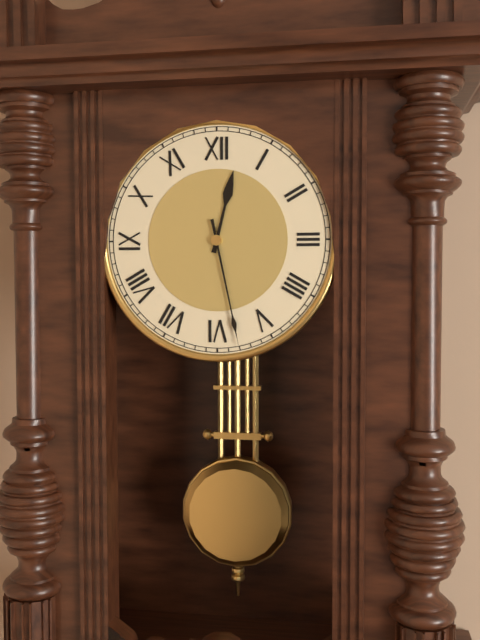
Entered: 12h28
